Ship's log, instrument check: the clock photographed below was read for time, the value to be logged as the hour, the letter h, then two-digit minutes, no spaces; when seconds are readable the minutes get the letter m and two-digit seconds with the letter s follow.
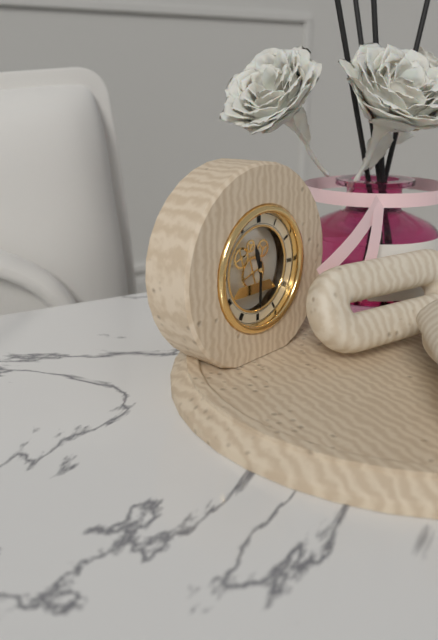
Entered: 11h30
